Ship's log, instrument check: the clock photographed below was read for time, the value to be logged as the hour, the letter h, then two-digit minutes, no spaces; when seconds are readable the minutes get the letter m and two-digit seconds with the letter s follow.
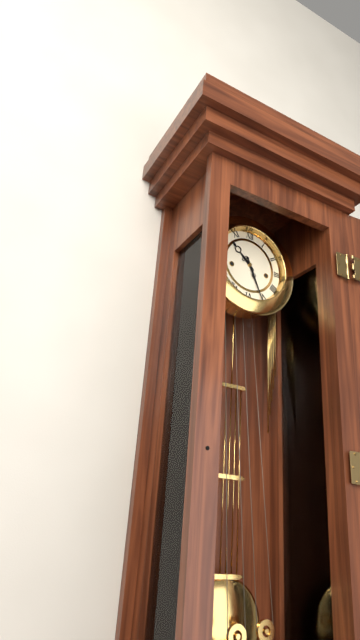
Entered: 10h26
